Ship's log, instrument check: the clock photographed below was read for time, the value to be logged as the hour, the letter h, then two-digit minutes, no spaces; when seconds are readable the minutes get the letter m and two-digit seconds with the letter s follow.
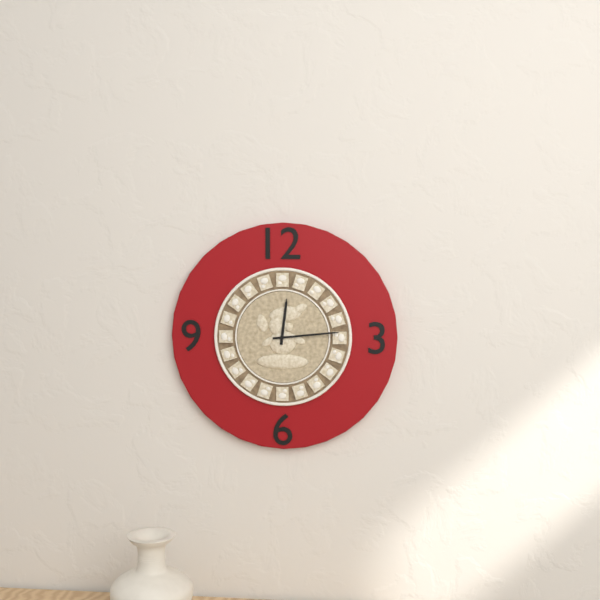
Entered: 12h14
